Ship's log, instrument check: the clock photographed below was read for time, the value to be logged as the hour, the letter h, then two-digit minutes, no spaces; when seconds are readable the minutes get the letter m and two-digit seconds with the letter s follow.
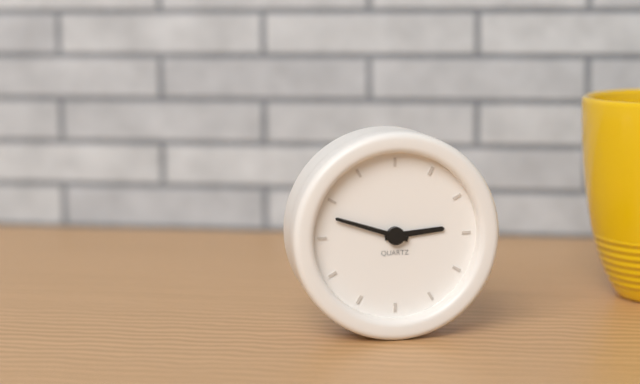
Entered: 2h48
